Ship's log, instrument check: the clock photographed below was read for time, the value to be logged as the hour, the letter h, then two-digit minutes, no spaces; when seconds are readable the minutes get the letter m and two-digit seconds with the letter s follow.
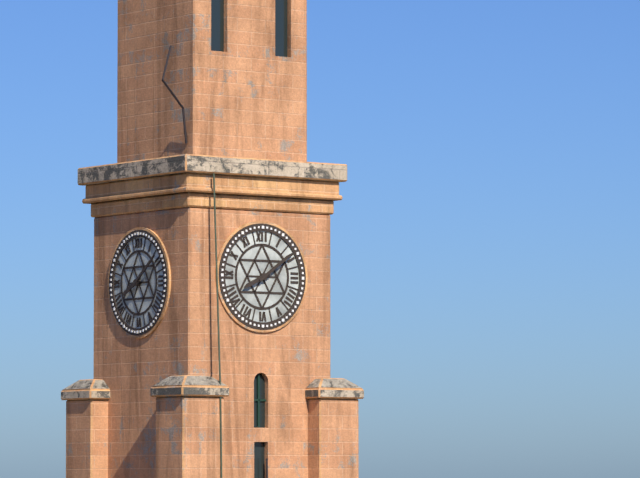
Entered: 8h09
